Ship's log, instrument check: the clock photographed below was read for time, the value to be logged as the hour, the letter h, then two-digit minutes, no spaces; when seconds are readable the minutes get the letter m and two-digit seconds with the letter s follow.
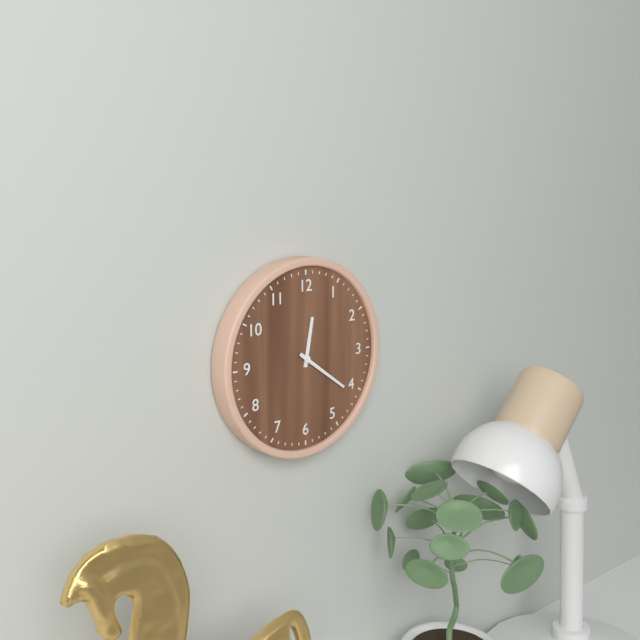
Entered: 12h21
